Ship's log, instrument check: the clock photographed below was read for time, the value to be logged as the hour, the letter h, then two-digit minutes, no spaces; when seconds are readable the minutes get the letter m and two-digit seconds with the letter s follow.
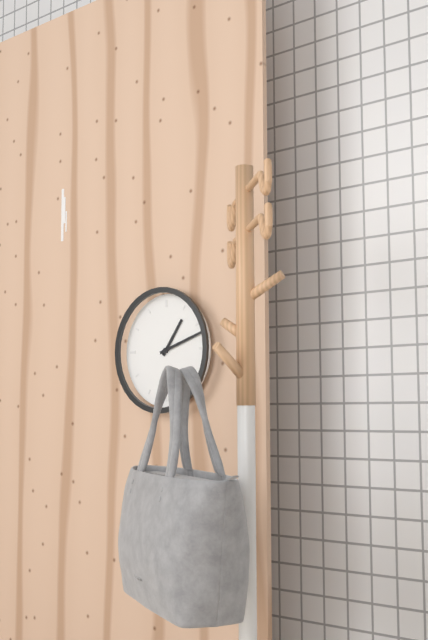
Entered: 1h12
